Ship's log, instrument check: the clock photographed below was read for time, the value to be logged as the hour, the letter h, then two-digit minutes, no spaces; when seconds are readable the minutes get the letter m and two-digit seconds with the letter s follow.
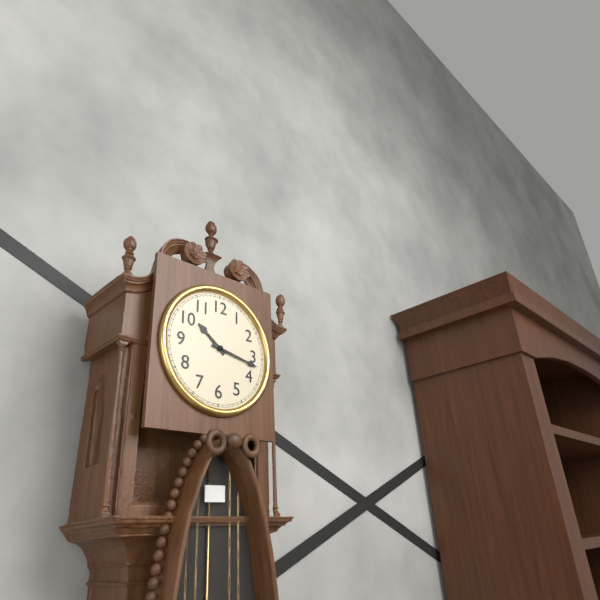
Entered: 10h17
